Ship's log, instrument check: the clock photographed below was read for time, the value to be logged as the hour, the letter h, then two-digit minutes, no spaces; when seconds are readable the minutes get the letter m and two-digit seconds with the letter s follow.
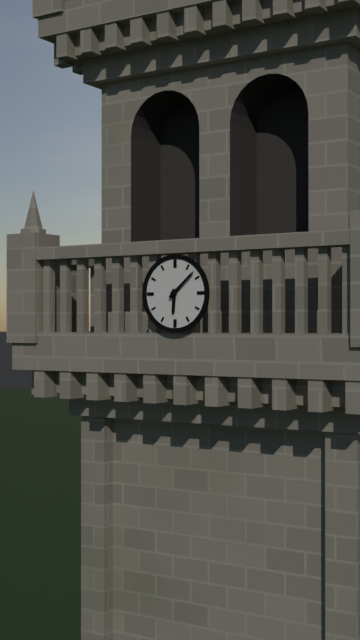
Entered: 6h08
